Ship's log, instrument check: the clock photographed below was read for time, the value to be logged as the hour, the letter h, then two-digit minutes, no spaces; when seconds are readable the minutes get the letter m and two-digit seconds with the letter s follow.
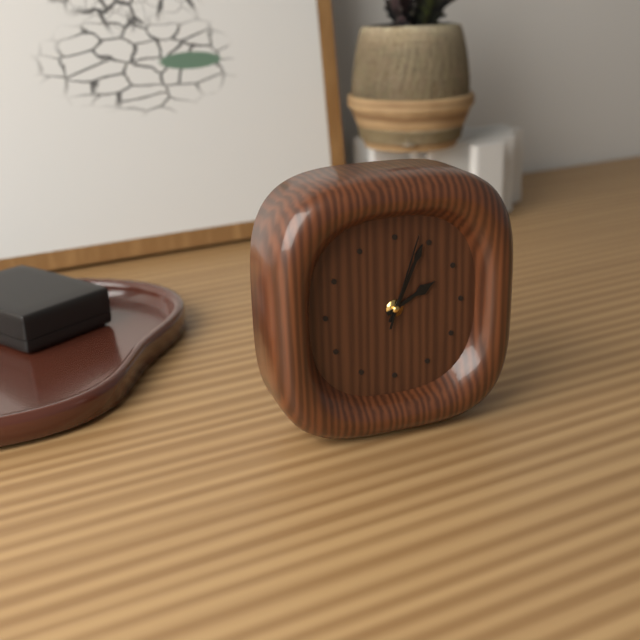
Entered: 2h04m03s
